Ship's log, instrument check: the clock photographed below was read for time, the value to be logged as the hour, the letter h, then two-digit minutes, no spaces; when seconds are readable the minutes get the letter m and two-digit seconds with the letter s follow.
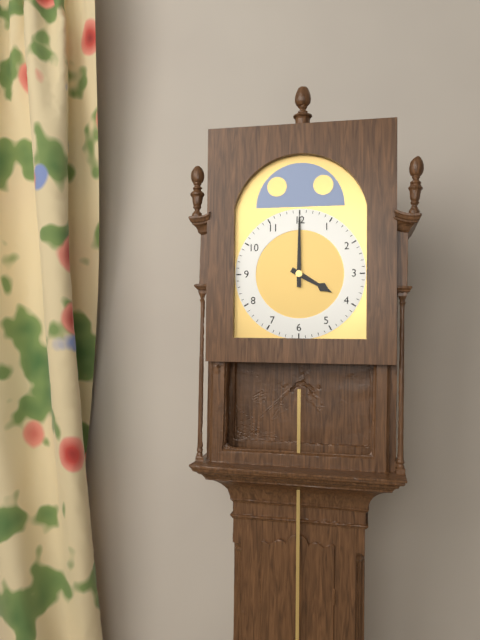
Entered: 4h00
